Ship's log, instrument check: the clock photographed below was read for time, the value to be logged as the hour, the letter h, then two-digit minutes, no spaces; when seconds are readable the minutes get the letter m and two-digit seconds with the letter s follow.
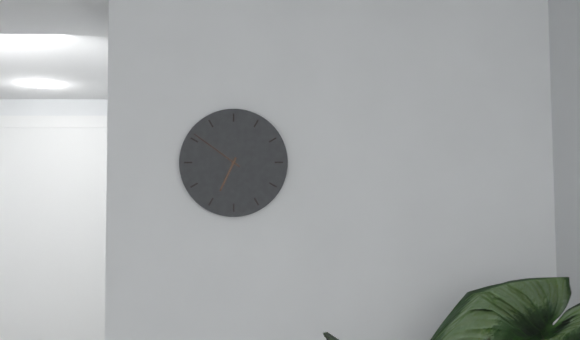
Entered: 6h51
